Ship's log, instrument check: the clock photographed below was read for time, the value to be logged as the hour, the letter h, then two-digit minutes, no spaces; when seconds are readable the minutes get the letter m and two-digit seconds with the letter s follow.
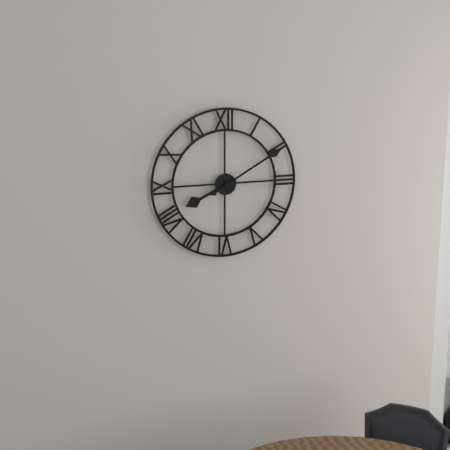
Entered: 8h10
